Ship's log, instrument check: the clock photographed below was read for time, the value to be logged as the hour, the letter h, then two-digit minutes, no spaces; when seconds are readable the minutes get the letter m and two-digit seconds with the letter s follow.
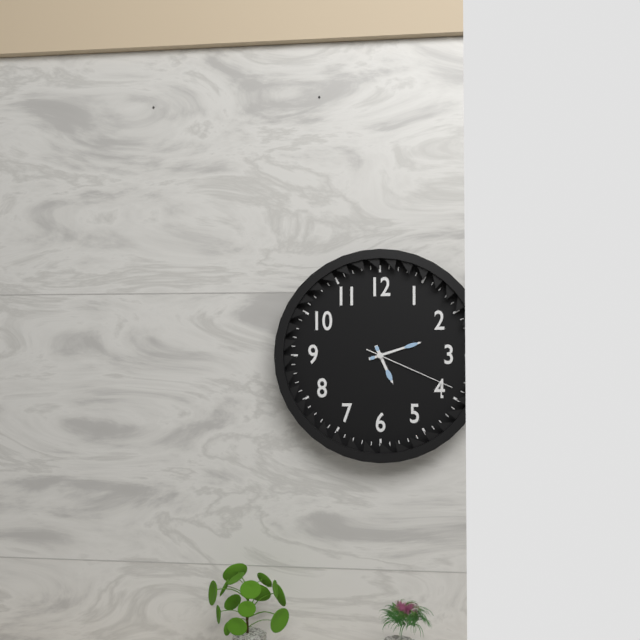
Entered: 5h12m19s
